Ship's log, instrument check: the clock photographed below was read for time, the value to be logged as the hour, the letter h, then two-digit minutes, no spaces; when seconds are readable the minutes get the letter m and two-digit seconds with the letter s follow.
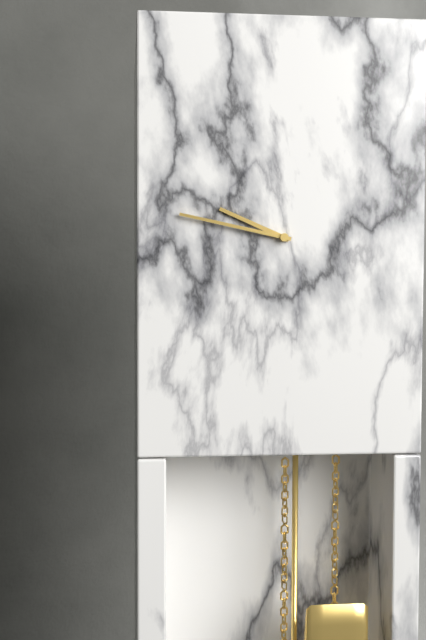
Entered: 9h47
